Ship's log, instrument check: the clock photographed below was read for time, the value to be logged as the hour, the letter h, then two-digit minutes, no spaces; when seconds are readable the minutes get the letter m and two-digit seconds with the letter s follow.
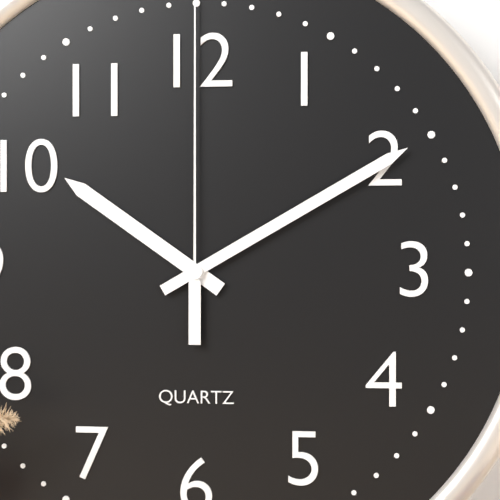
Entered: 10h10
